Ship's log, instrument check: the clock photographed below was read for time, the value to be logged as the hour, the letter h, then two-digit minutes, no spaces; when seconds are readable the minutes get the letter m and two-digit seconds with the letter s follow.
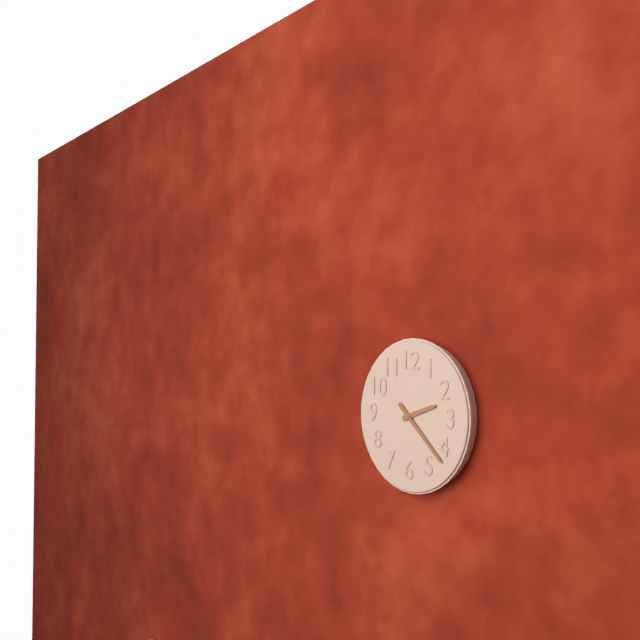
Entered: 2h22
